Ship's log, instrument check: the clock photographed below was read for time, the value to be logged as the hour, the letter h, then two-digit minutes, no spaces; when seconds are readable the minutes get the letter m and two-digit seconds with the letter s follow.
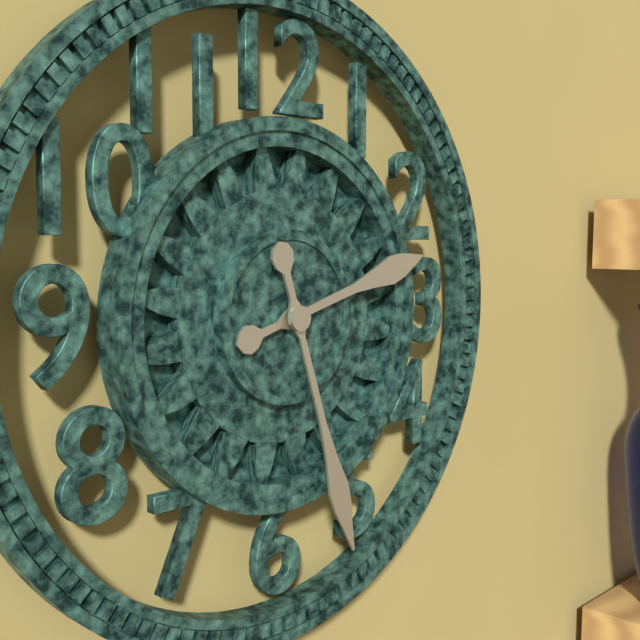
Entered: 2h27
